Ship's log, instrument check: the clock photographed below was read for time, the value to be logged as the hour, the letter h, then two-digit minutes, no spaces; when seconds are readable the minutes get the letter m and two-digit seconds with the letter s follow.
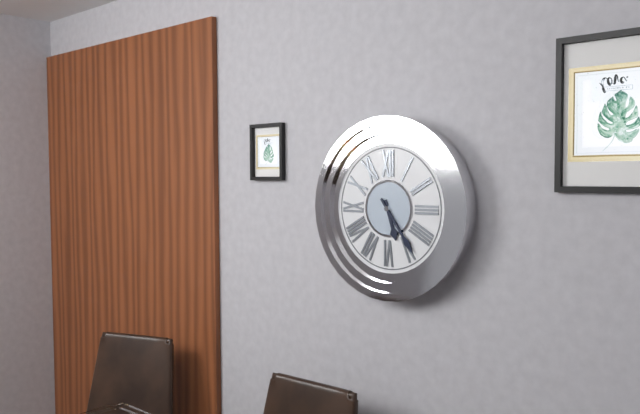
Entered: 5h24
